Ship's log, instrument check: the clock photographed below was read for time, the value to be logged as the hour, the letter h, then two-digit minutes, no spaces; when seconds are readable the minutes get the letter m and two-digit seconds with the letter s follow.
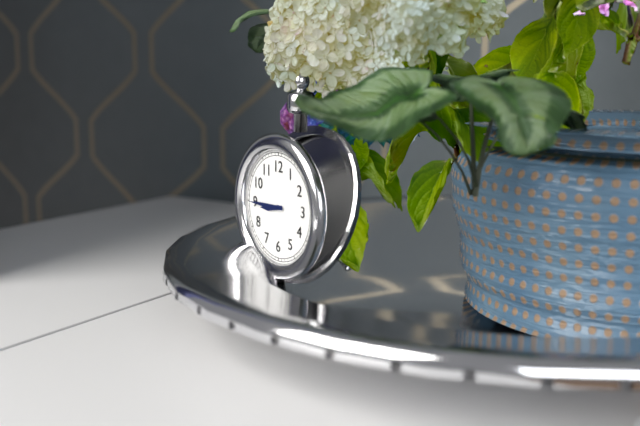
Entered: 8h45
